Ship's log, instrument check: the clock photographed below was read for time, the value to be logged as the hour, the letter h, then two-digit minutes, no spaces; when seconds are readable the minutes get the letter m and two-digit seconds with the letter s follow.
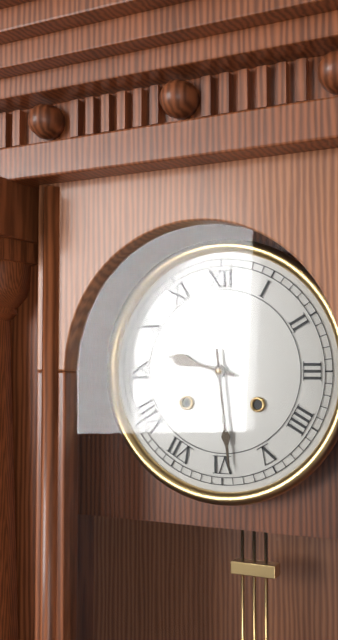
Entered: 9h29
